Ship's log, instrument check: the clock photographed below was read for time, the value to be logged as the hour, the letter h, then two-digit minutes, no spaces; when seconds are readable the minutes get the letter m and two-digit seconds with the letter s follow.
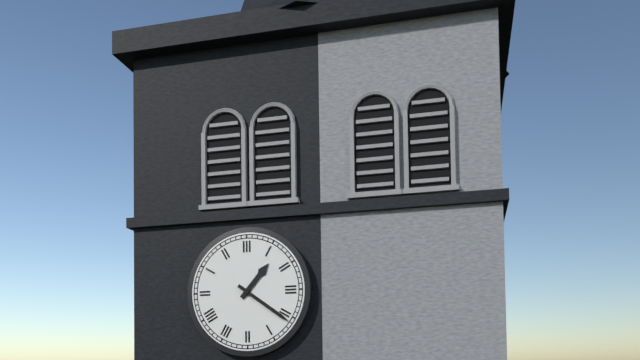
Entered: 1h21
